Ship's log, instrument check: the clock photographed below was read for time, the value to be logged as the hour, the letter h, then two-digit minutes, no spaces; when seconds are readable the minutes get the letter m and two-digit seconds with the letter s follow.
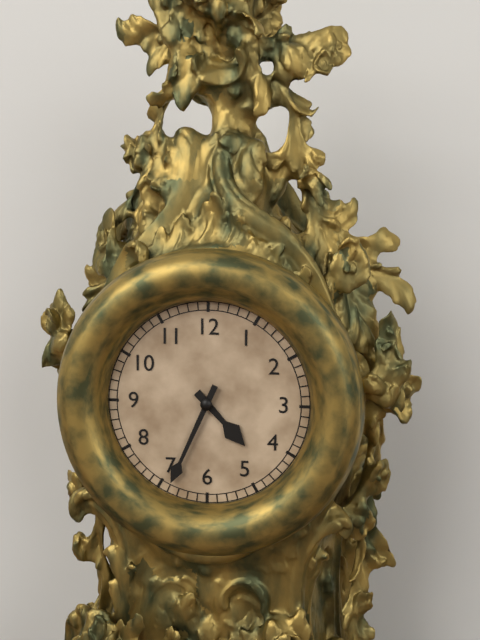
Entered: 4h34
